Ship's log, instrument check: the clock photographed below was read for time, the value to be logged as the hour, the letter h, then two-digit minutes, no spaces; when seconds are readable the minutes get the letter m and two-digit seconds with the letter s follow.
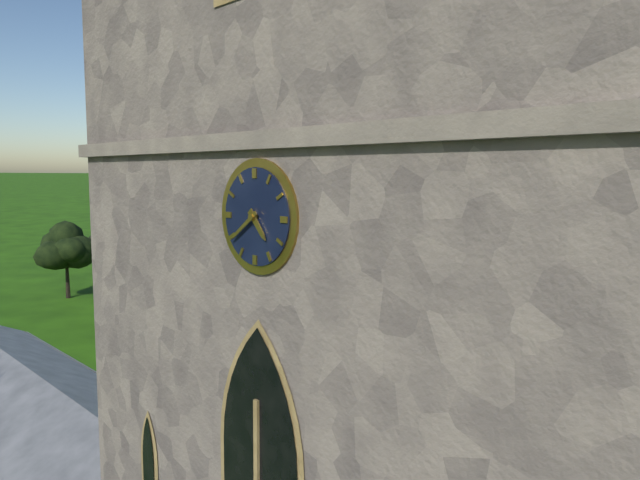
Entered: 4h39
